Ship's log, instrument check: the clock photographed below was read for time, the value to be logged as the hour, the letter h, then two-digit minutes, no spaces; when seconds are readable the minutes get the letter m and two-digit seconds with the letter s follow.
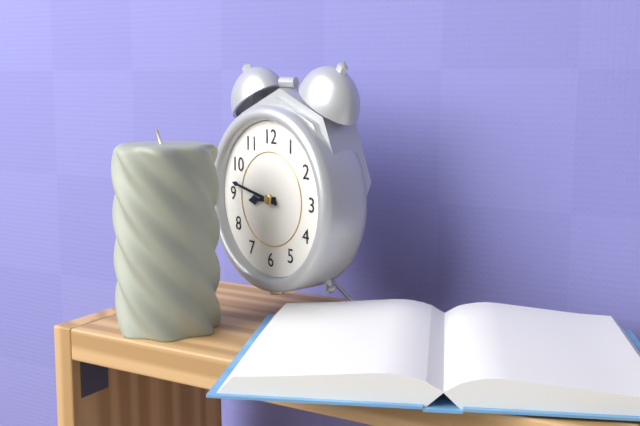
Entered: 8h47
